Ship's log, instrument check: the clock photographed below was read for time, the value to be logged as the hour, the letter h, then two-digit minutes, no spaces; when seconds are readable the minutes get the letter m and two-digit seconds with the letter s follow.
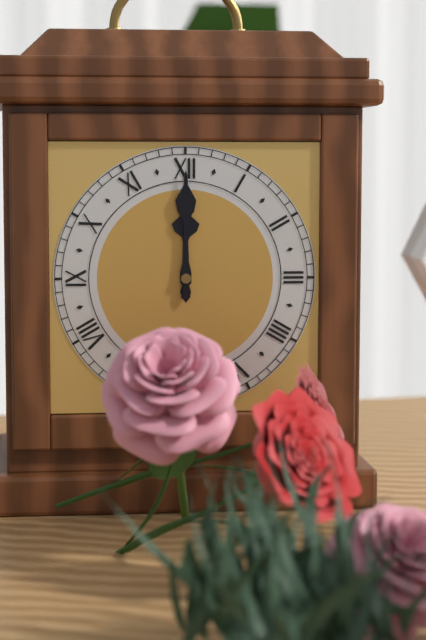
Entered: 12h00
